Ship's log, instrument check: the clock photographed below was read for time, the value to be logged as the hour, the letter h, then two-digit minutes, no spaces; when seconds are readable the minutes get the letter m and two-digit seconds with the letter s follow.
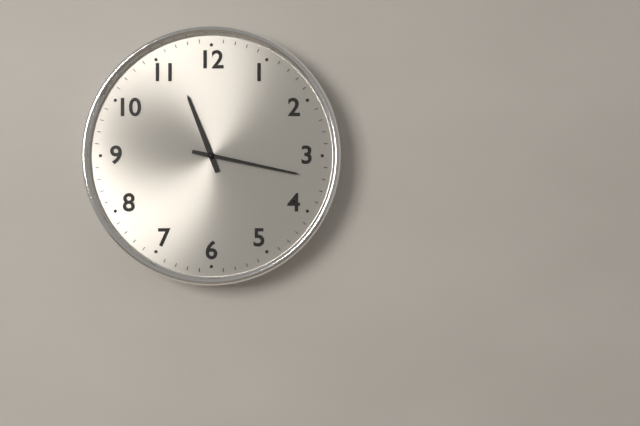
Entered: 11h17
